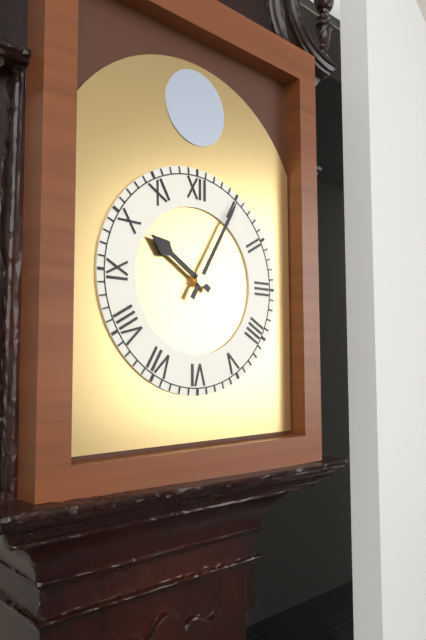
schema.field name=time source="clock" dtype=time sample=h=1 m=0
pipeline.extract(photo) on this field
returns h=10 m=5
